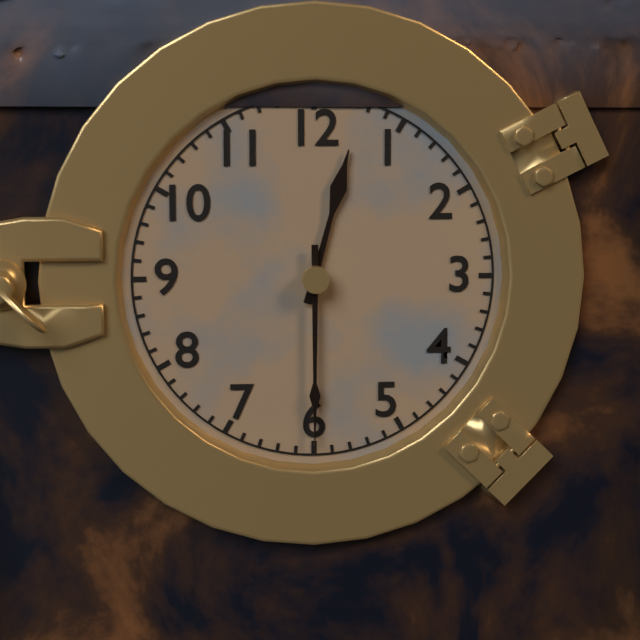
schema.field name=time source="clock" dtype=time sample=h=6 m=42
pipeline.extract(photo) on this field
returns h=12 m=30
